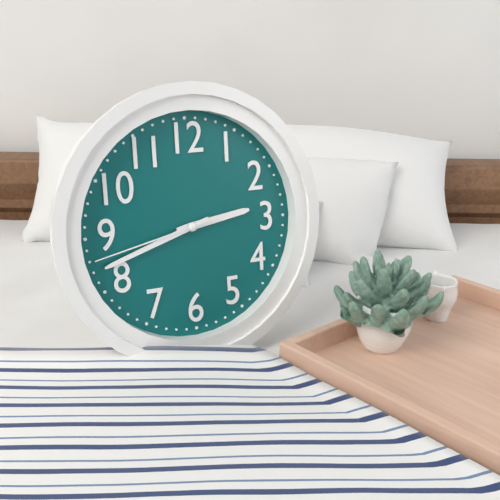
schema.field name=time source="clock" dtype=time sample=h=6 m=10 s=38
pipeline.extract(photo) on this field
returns h=2 m=42 s=43
